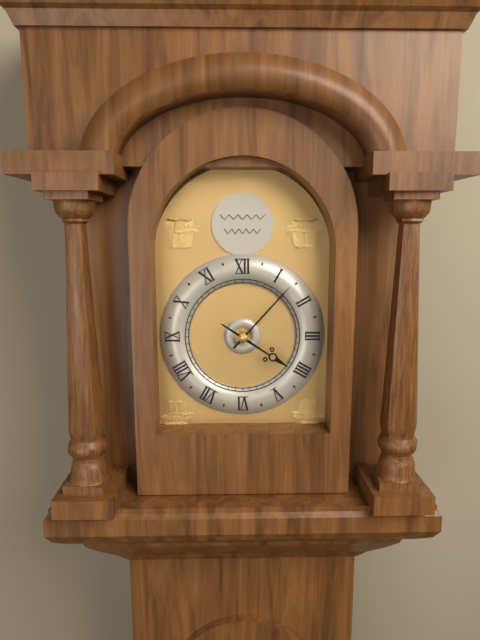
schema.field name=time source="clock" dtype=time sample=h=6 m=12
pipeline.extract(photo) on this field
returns h=4 m=7
